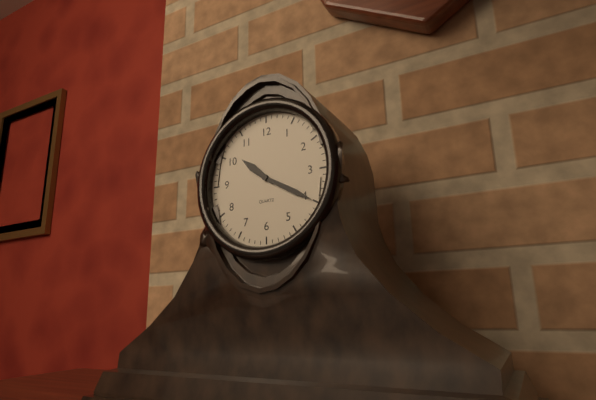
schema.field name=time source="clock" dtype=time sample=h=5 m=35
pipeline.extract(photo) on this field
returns h=10 m=20
